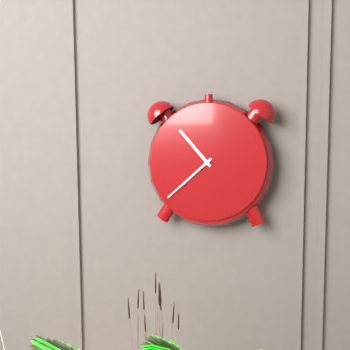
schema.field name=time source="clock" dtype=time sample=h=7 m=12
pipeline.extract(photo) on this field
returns h=10 m=38
